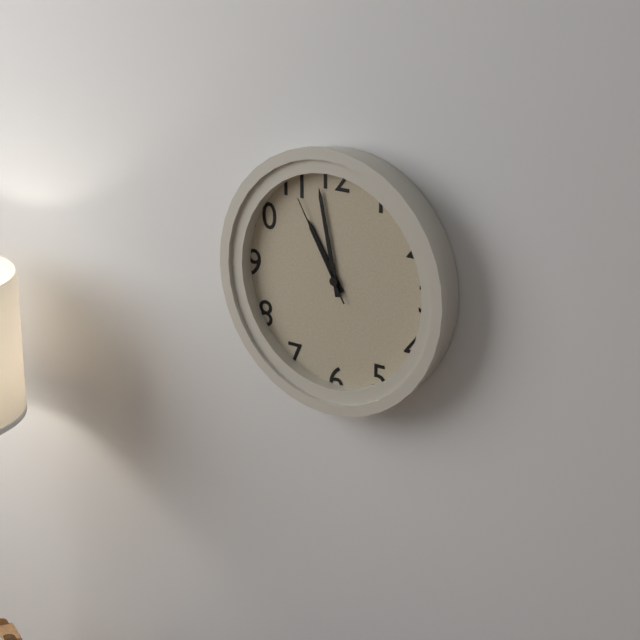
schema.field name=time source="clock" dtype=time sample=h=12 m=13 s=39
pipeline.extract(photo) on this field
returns h=10 m=58 s=55
